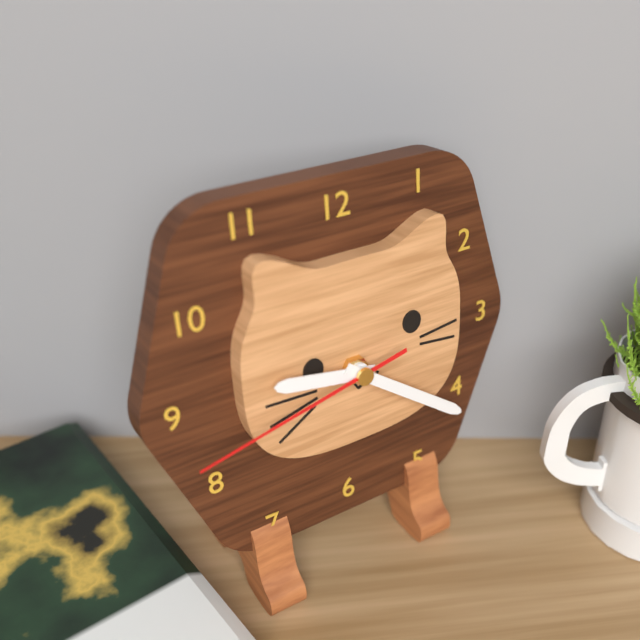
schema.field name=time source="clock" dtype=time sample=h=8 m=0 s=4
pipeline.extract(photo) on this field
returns h=9 m=21 s=43
